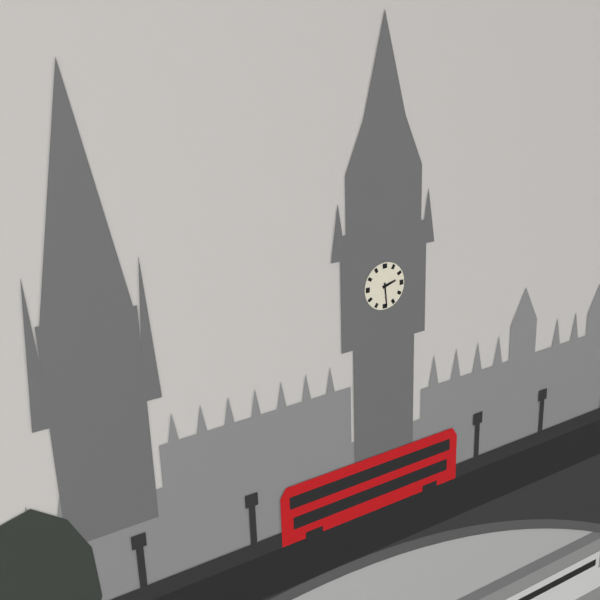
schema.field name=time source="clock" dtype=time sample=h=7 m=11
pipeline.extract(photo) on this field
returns h=2 m=29
